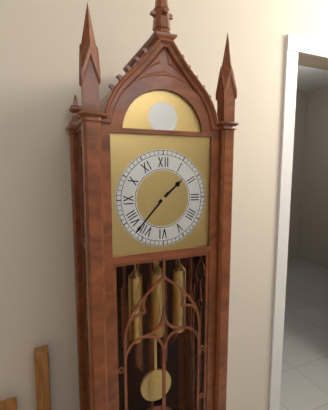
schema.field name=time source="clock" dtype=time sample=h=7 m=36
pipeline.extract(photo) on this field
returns h=1 m=37
